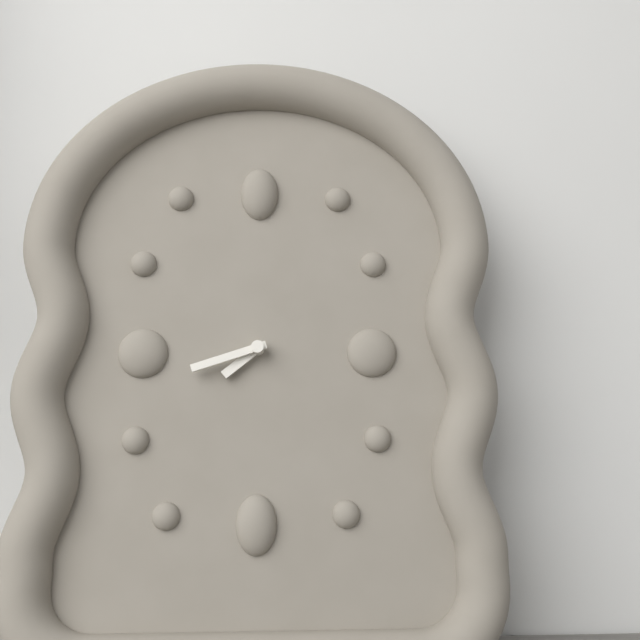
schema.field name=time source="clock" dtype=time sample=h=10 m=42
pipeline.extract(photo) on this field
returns h=7 m=42
